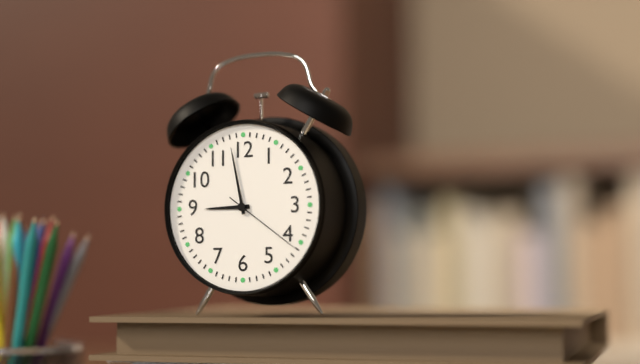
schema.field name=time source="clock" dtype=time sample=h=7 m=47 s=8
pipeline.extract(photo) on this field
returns h=8 m=58 s=21
